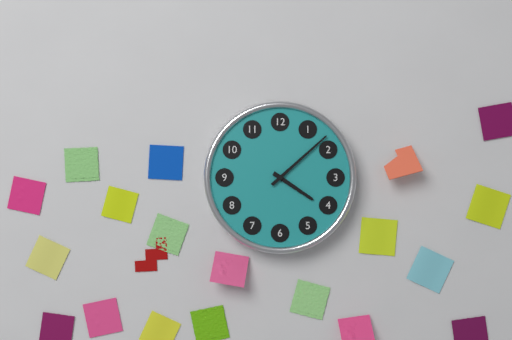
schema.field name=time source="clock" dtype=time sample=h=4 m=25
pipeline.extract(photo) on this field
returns h=4 m=8
